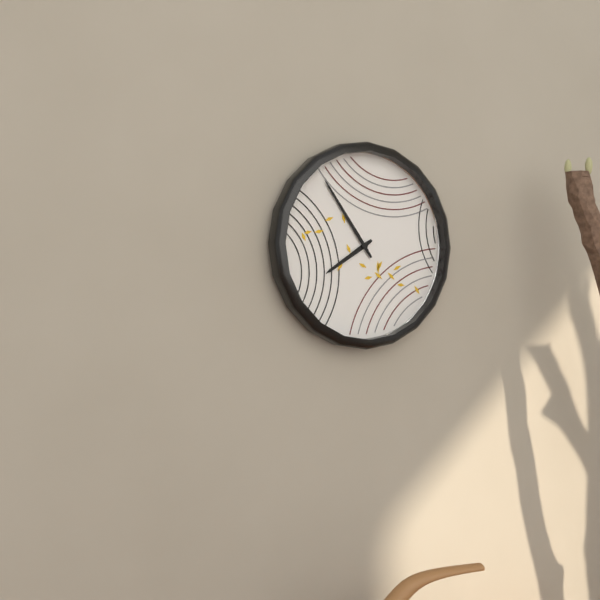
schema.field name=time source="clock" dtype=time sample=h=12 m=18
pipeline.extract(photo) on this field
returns h=7 m=54
